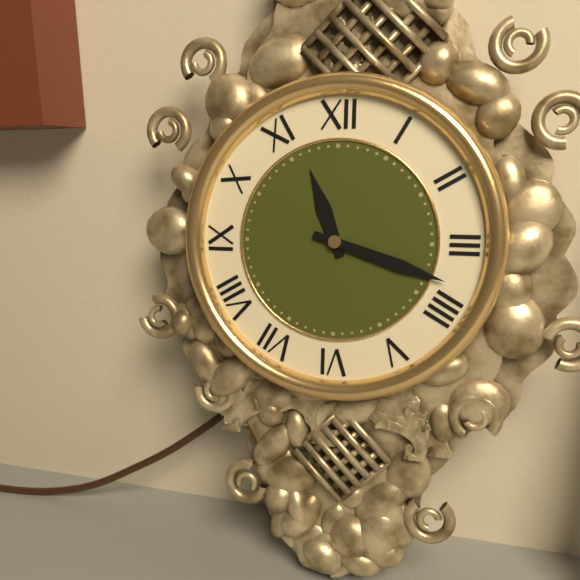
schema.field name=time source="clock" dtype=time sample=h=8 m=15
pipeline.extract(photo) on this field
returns h=11 m=18
